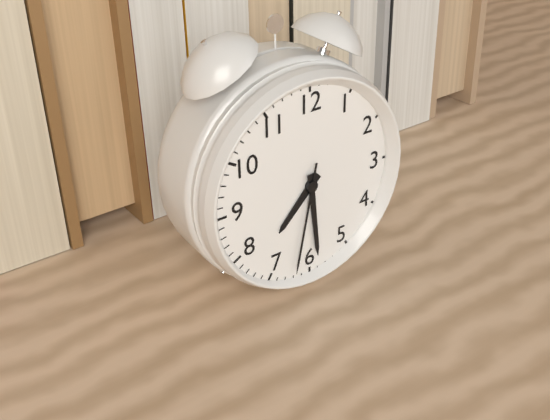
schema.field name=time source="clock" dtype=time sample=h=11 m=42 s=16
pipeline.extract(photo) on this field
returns h=7 m=29 s=32
